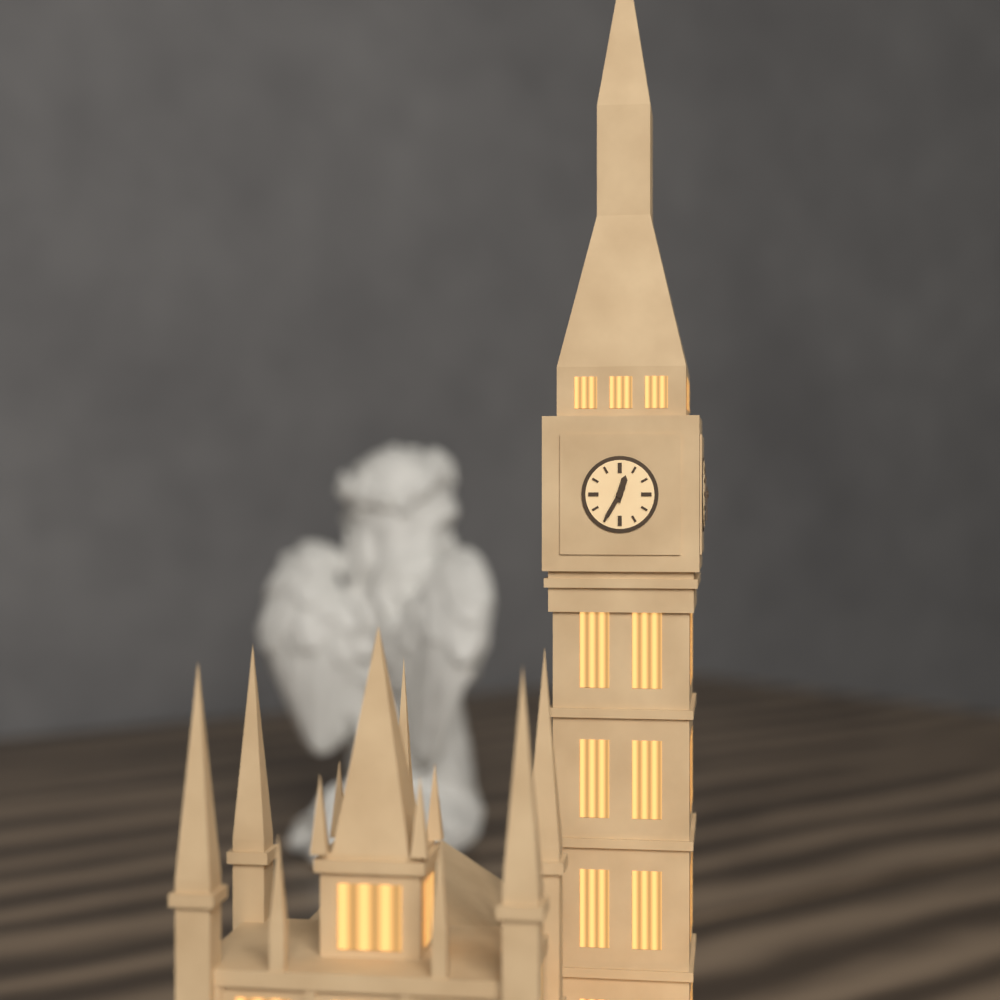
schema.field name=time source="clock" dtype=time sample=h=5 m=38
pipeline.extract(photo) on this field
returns h=12 m=35
